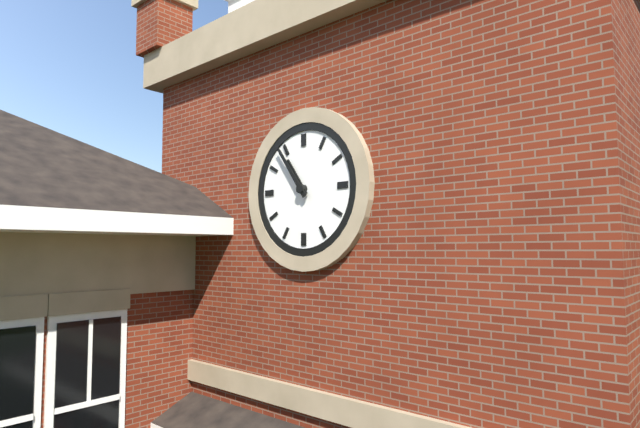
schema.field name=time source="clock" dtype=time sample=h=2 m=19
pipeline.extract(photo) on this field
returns h=10 m=54
